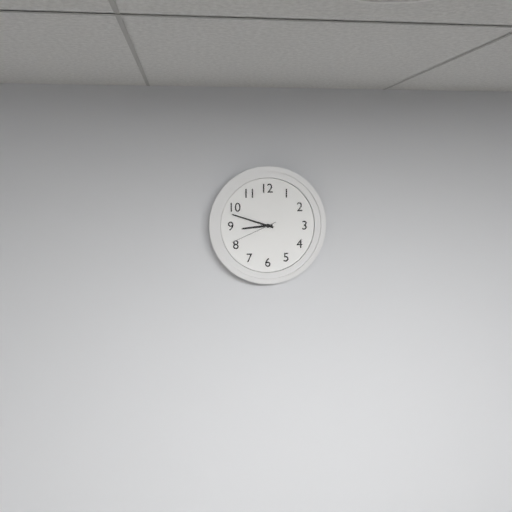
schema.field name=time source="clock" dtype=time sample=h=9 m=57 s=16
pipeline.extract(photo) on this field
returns h=8 m=48 s=41
